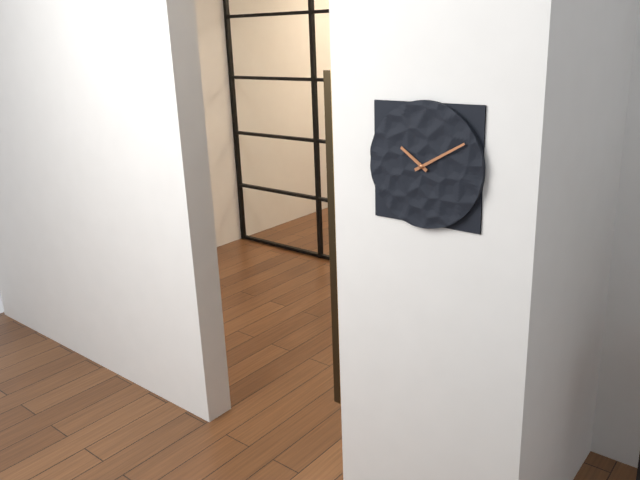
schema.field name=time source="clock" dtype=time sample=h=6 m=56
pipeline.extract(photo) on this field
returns h=10 m=10
